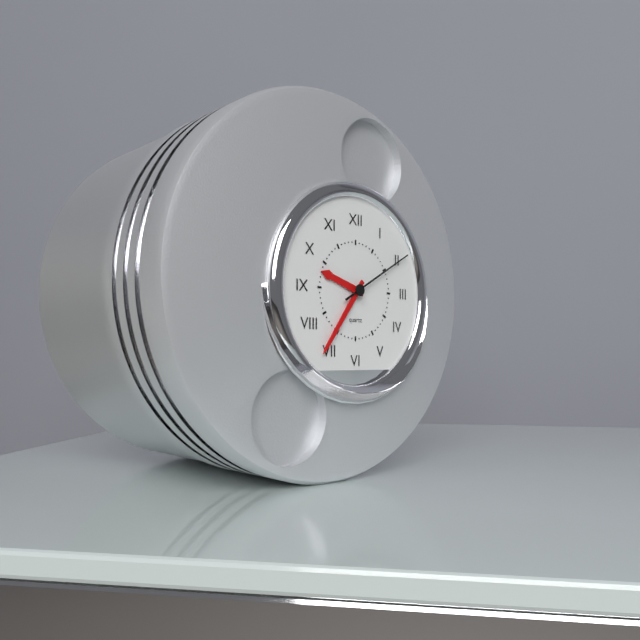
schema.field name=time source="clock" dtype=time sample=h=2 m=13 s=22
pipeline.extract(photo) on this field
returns h=9 m=36 s=10
